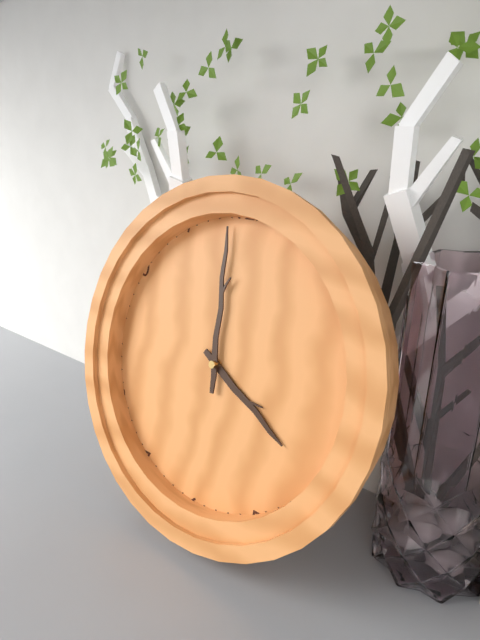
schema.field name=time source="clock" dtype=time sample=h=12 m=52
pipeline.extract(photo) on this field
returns h=3 m=59
